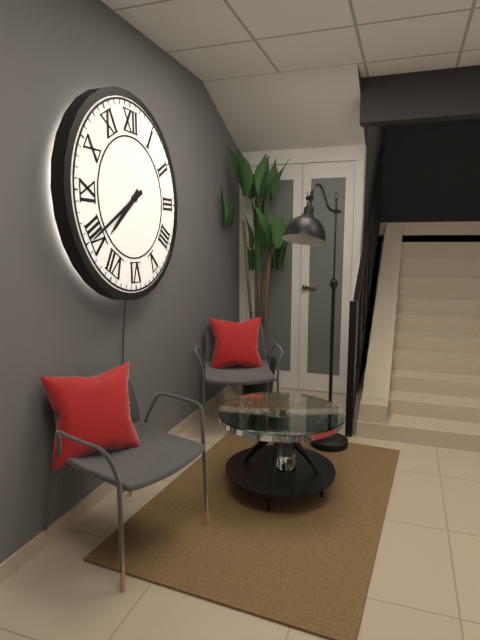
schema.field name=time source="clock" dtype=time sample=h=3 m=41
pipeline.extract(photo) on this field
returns h=7 m=40
